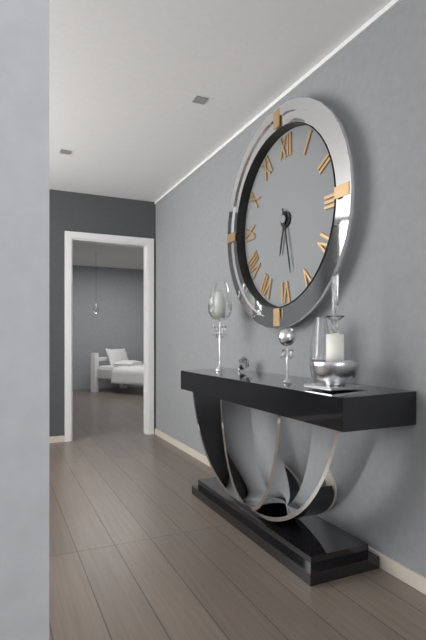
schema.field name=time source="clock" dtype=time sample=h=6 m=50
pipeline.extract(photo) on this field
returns h=6 m=28
